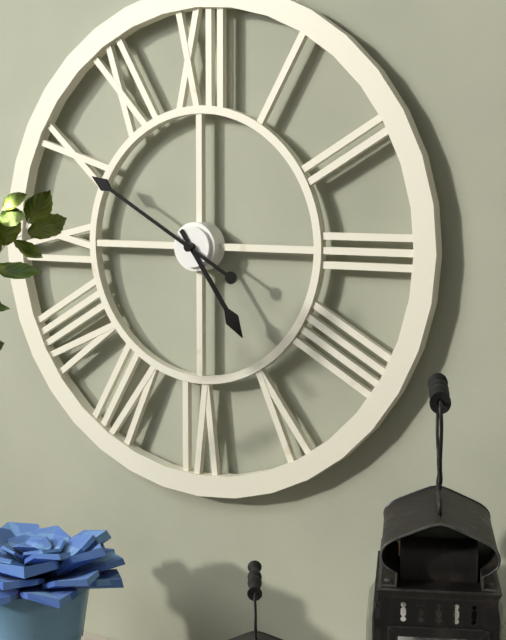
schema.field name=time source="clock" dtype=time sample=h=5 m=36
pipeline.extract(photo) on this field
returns h=4 m=50
